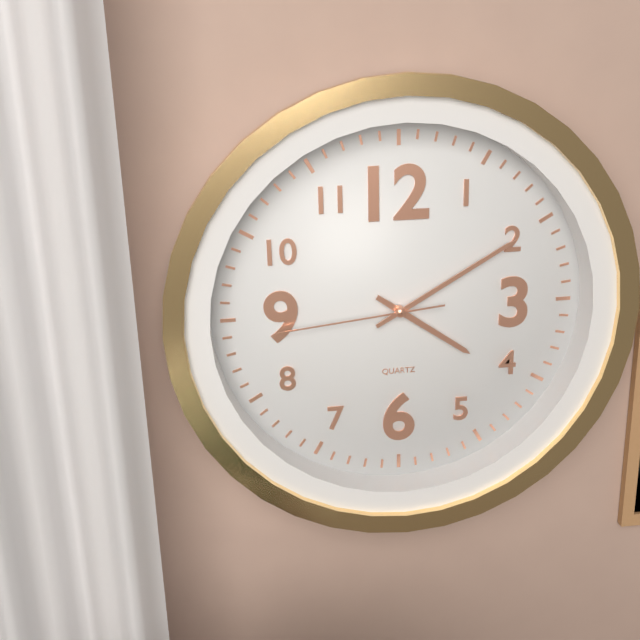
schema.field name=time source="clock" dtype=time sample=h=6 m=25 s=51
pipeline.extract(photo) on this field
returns h=4 m=10 s=44
